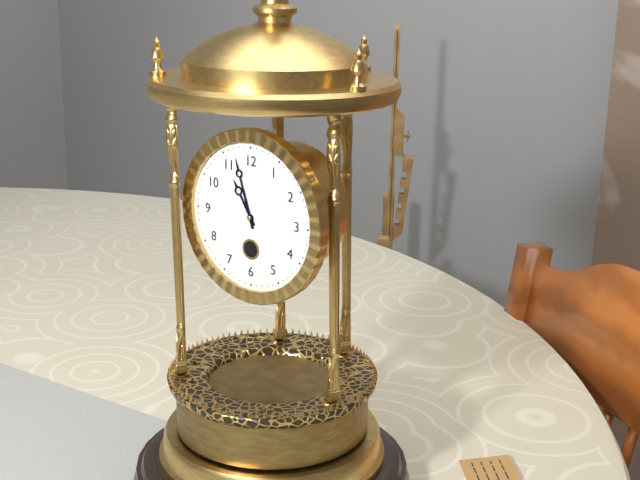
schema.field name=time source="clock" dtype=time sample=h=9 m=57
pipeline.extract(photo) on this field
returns h=10 m=57
